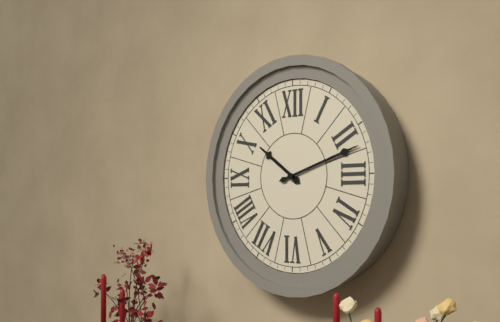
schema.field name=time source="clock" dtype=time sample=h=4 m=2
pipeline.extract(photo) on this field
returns h=10 m=12
